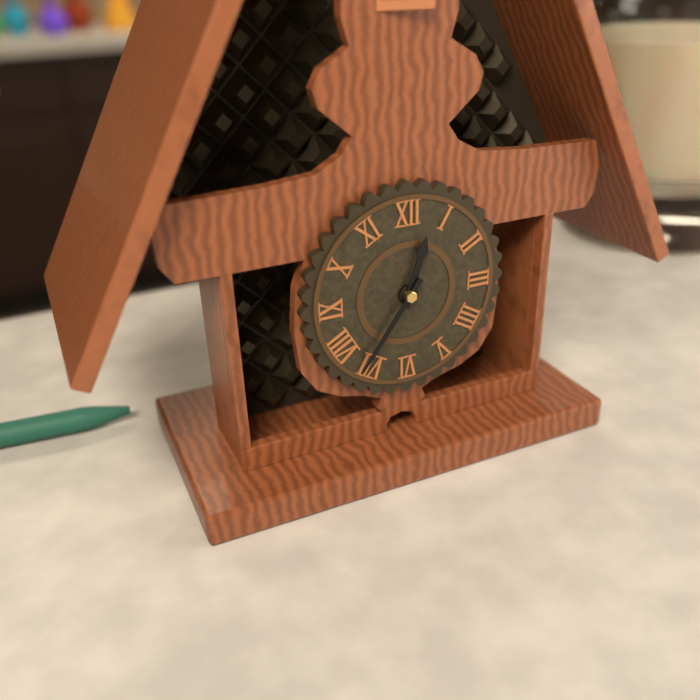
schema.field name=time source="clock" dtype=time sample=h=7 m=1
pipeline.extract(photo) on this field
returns h=12 m=36
